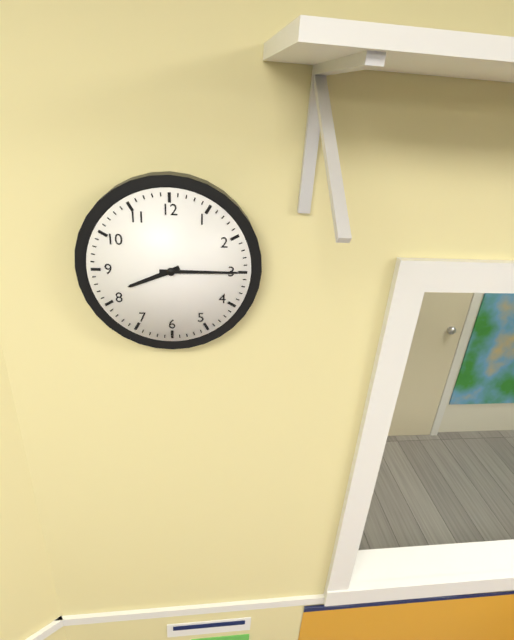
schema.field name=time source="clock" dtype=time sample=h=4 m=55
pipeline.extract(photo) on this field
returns h=8 m=15
